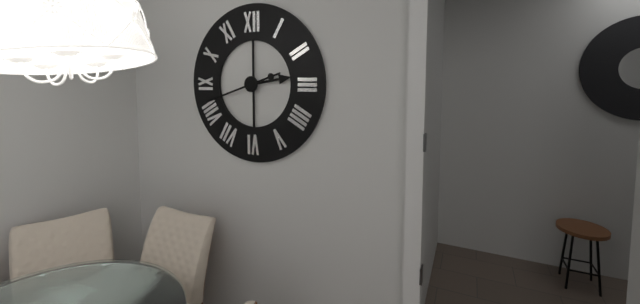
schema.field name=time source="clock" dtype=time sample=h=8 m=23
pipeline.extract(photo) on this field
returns h=2 m=42
